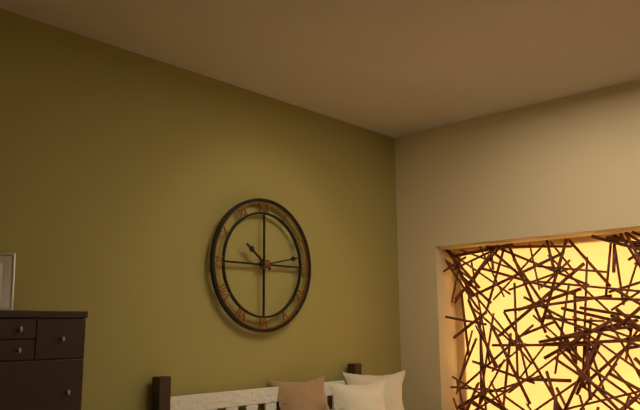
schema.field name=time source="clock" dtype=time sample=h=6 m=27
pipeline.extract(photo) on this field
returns h=10 m=13
